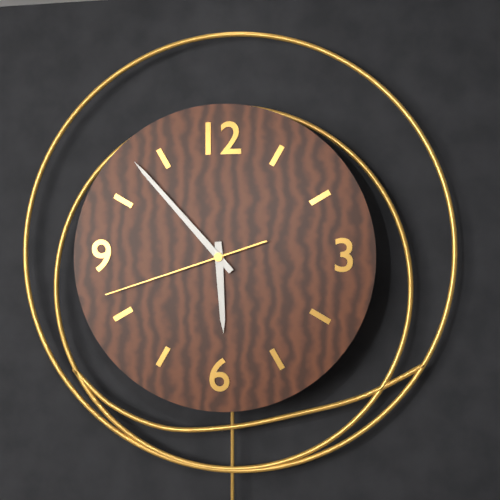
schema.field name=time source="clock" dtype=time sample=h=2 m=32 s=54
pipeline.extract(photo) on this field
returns h=5 m=53 s=42
